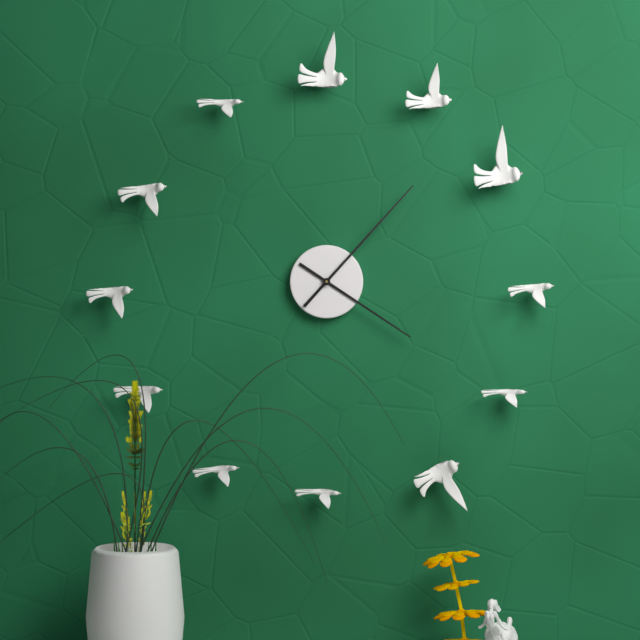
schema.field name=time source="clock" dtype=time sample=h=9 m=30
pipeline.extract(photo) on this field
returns h=4 m=7
